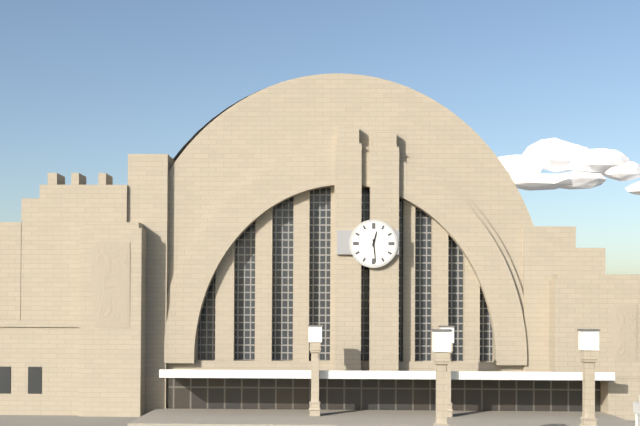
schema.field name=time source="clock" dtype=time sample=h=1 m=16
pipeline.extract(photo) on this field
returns h=12 m=29
